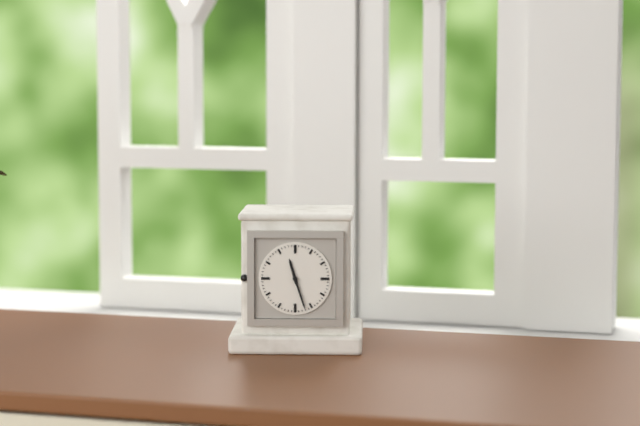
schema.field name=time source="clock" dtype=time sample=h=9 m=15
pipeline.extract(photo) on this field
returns h=11 m=27
